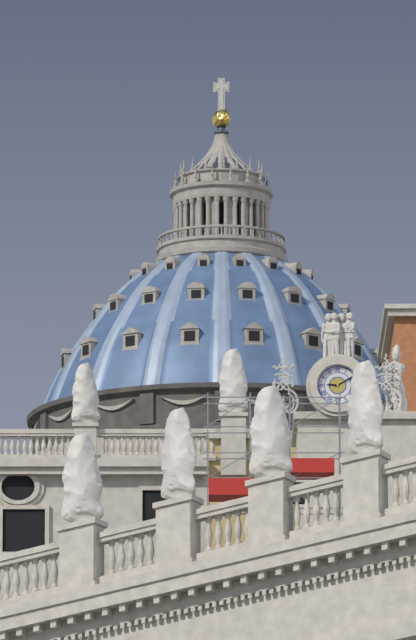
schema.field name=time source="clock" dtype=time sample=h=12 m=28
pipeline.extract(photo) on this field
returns h=9 m=10
